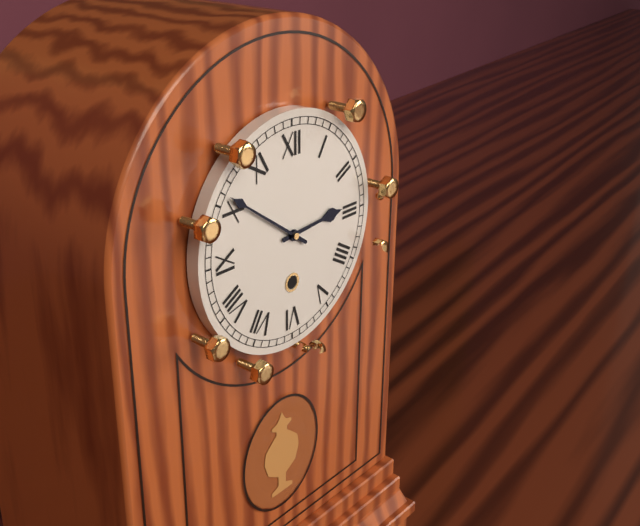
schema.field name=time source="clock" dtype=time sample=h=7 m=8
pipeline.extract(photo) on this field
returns h=2 m=51
